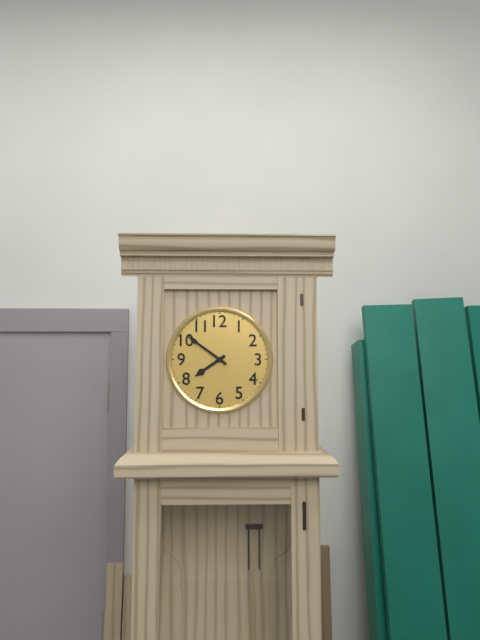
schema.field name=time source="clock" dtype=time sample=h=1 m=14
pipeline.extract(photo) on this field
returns h=7 m=51
